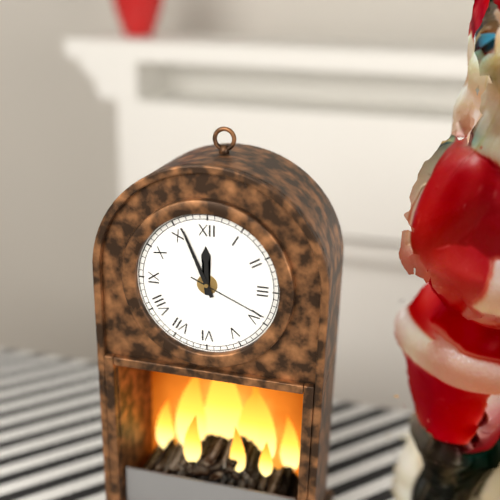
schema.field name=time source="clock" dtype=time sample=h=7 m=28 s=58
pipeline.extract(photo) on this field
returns h=11 m=56 s=19
